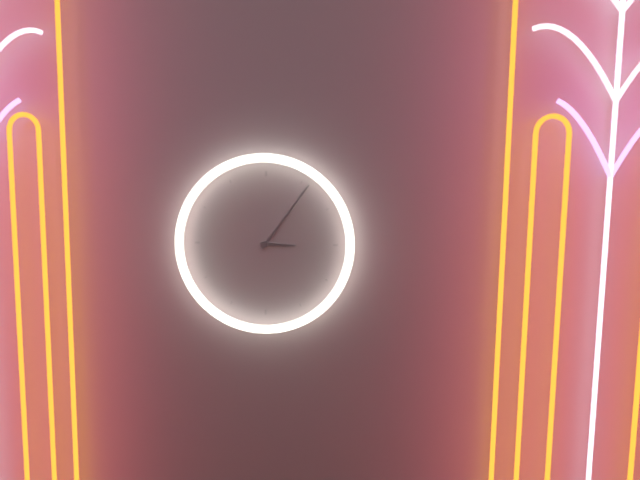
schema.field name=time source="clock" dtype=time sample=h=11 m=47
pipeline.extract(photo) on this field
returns h=3 m=6
